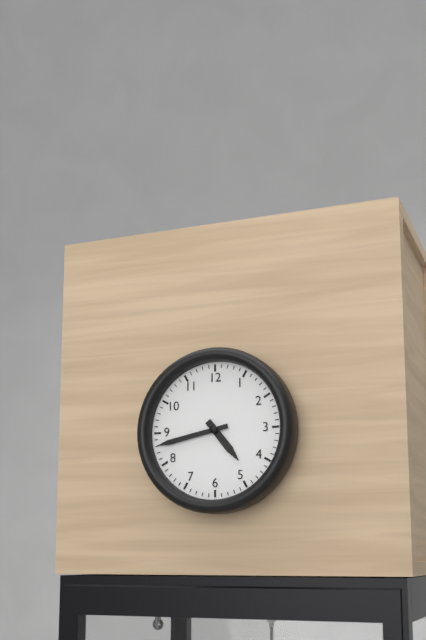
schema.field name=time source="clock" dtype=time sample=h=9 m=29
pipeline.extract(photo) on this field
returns h=4 m=43
